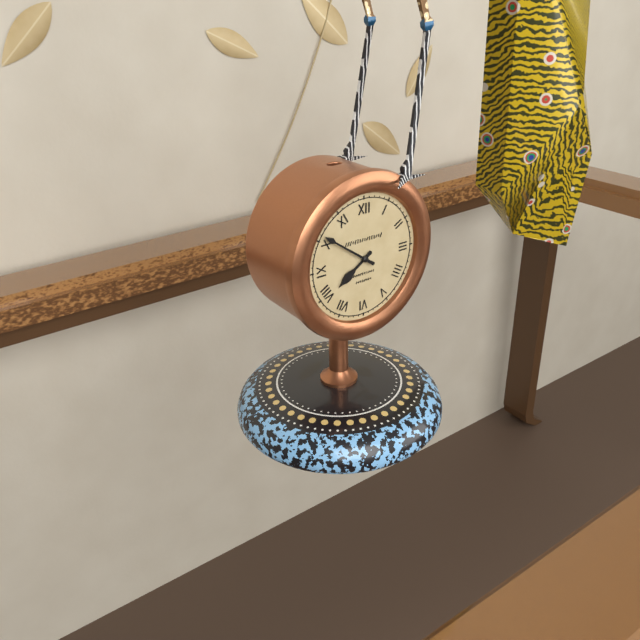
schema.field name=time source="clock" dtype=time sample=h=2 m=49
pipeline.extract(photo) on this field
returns h=7 m=51
